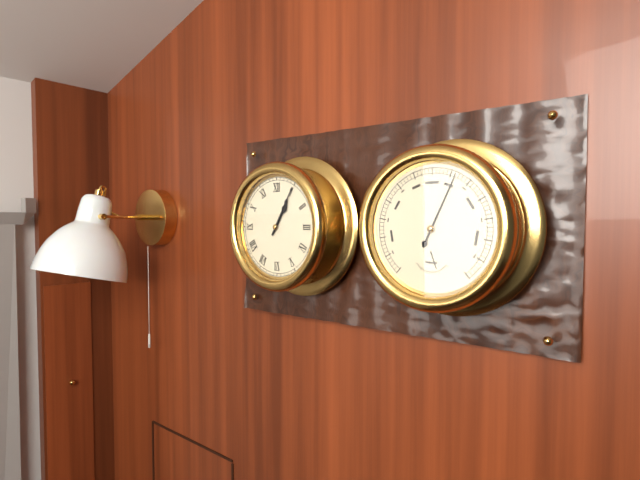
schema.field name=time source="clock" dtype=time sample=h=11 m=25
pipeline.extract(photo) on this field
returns h=1 m=5
